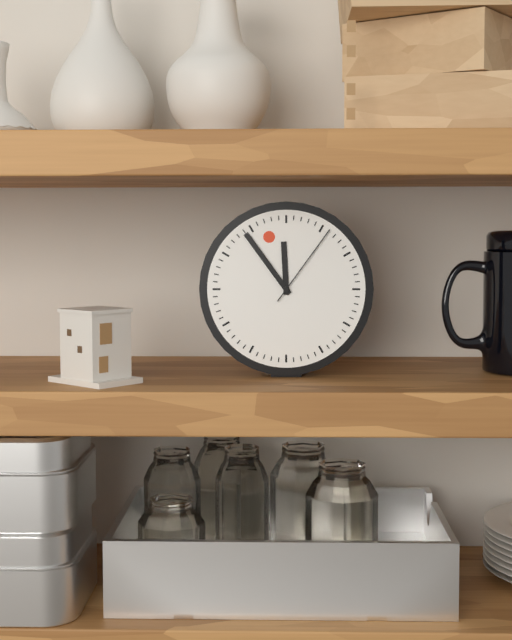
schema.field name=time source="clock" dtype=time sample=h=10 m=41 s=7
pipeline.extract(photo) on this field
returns h=11 m=54 s=6
